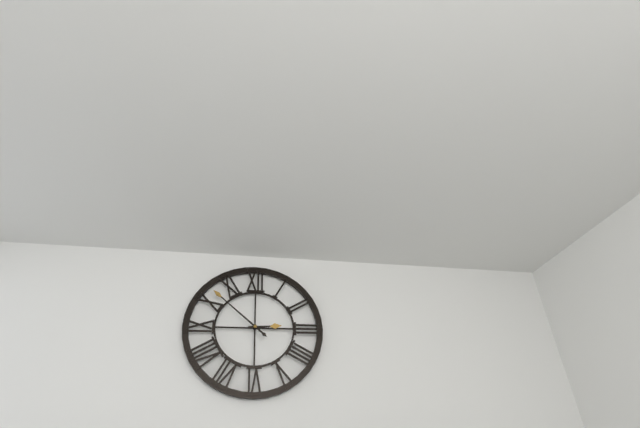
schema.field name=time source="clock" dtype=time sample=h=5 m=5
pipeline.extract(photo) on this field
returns h=2 m=52
